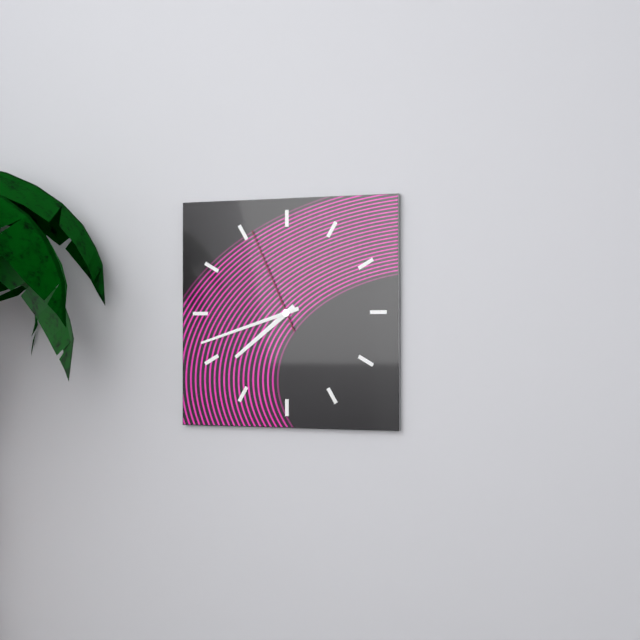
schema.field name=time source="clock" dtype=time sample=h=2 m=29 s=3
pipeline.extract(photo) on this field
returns h=7 m=42 s=56
